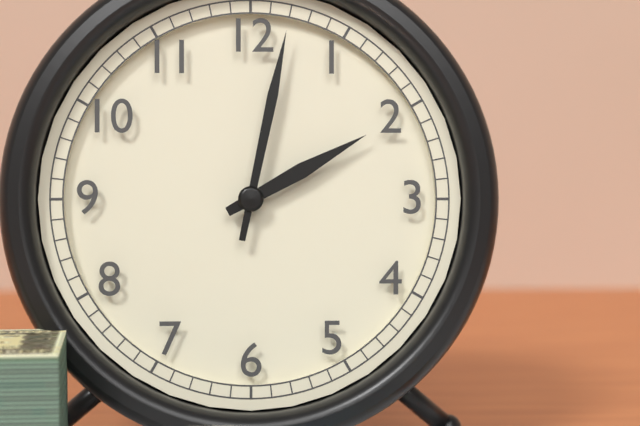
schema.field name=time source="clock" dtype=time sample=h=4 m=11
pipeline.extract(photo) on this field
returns h=2 m=2
